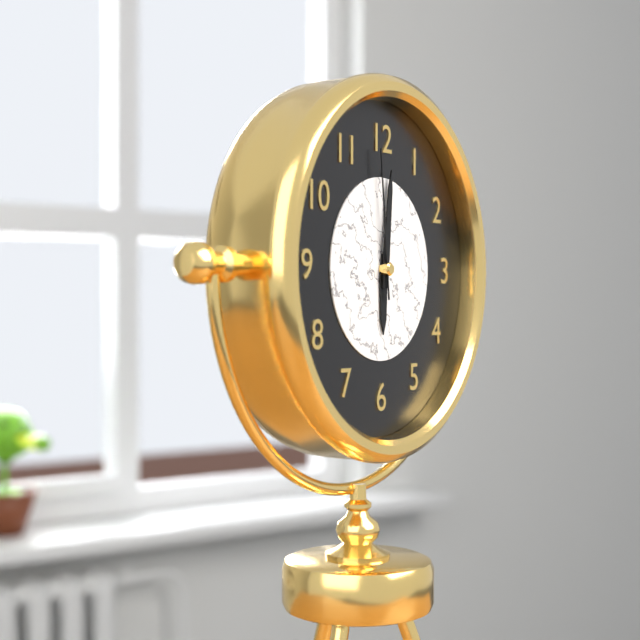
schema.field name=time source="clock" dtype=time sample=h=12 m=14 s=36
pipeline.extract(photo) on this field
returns h=6 m=1 s=59
